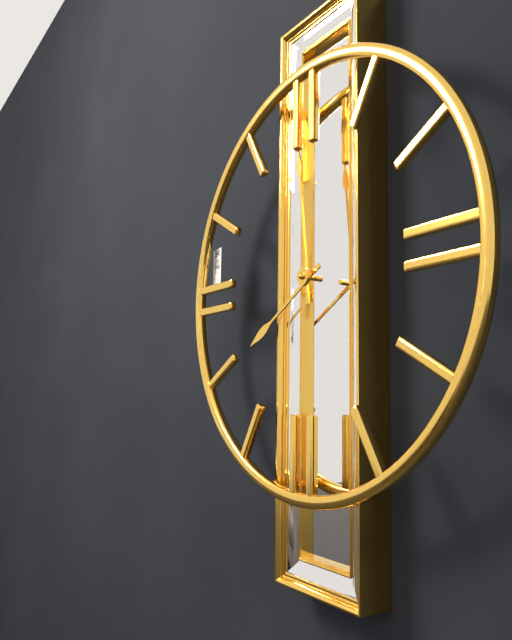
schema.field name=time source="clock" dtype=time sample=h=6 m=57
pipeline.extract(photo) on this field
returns h=7 m=59
